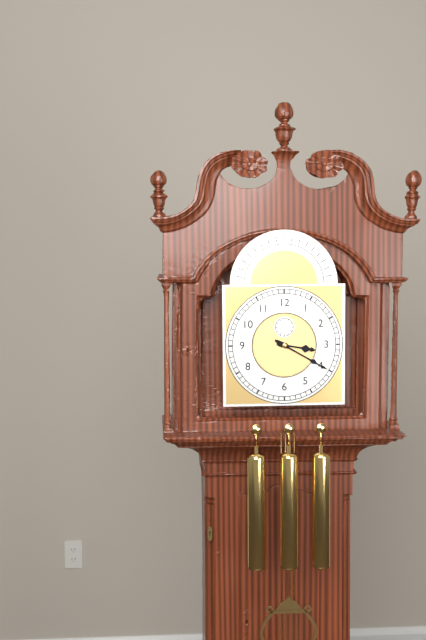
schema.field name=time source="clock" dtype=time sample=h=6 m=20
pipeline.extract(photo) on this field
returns h=3 m=20
